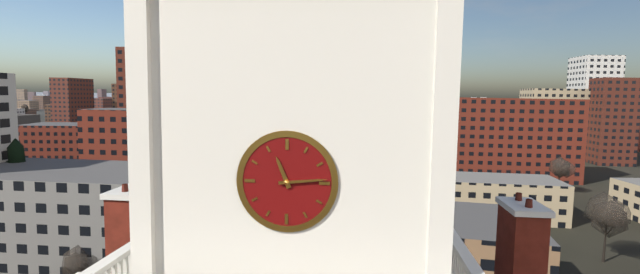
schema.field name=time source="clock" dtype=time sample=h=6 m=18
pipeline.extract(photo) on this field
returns h=11 m=14
